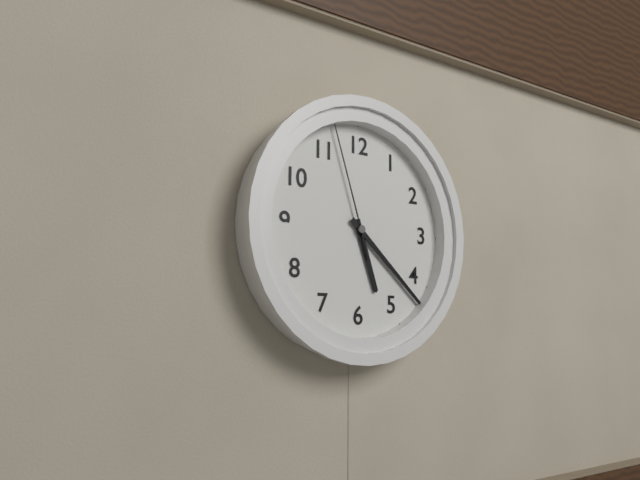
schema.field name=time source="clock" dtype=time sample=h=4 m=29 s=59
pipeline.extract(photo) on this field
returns h=5 m=22 s=57
